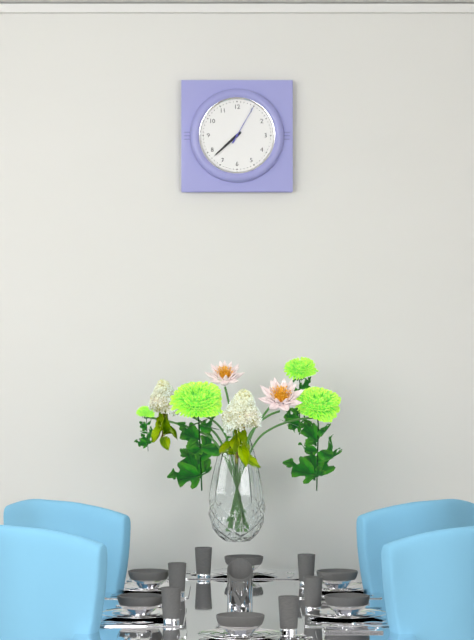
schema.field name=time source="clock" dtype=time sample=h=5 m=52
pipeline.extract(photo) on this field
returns h=7 m=38
